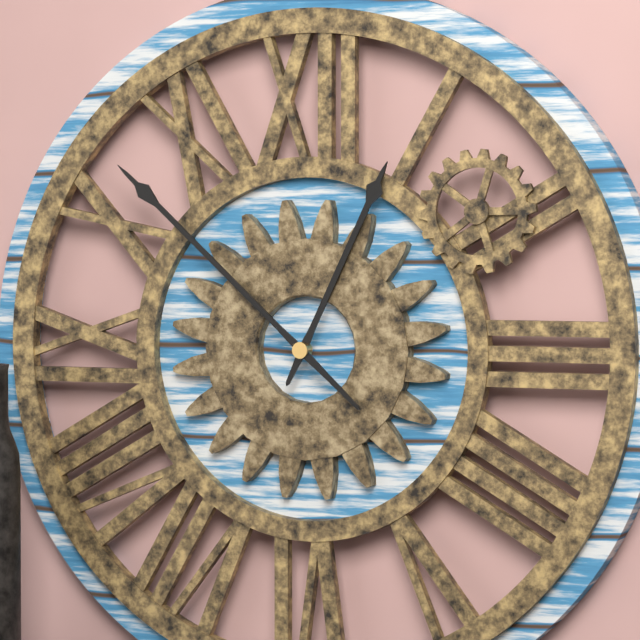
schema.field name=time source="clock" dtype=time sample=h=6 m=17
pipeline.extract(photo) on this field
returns h=12 m=52
